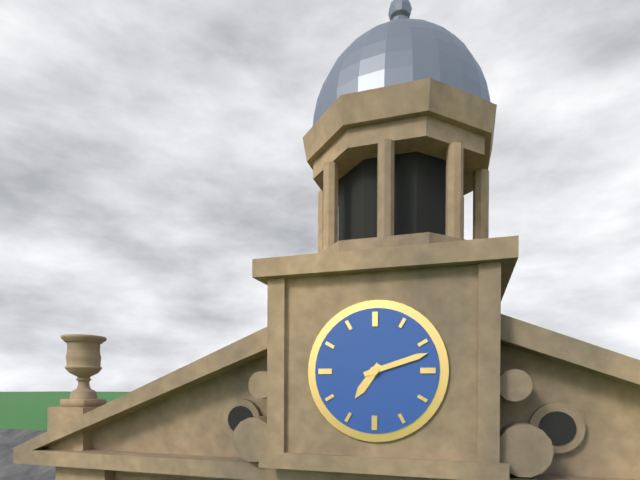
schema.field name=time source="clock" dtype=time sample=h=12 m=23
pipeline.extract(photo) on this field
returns h=7 m=12
